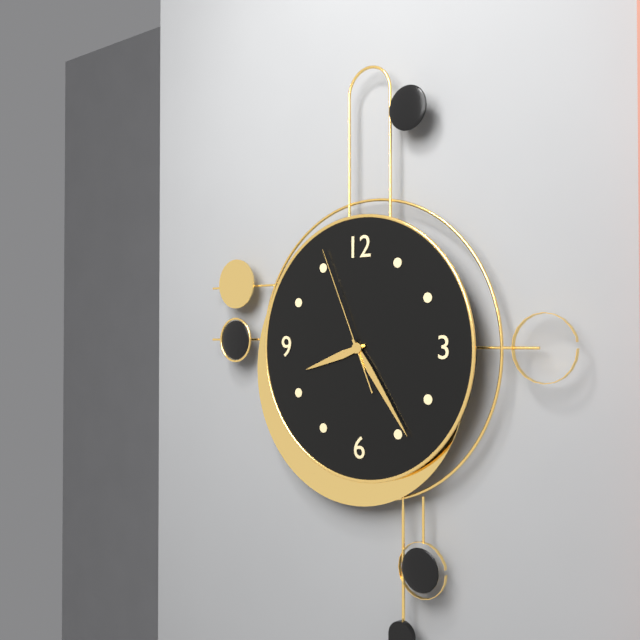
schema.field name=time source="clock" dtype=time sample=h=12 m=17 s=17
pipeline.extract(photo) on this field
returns h=8 m=24 s=56
